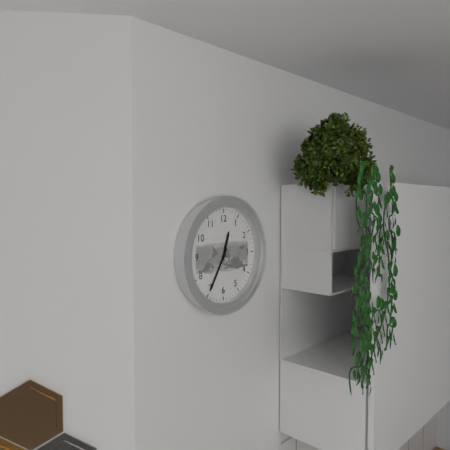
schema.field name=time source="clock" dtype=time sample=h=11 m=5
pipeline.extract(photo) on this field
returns h=12 m=35
